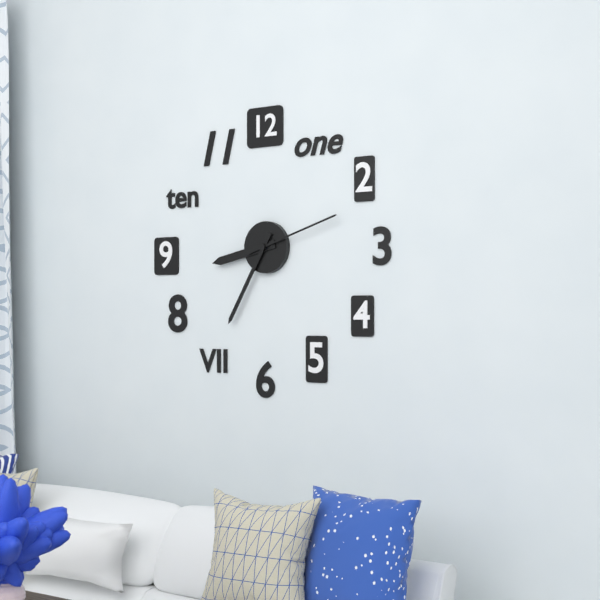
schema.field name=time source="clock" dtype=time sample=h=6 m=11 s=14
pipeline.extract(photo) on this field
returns h=8 m=35 s=12
